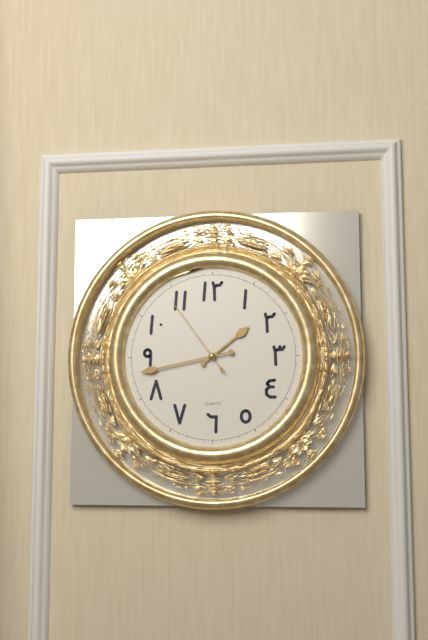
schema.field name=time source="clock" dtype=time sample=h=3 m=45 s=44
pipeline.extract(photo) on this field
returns h=1 m=43 s=54
